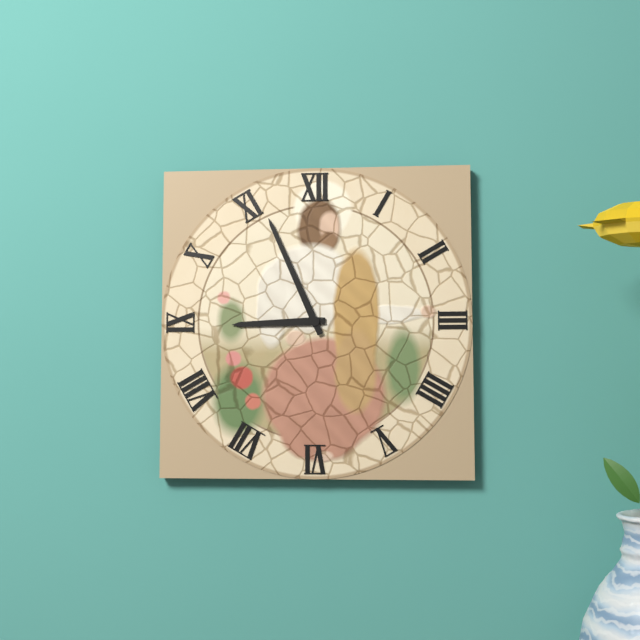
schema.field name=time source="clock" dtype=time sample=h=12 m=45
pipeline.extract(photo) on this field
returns h=8 m=56
